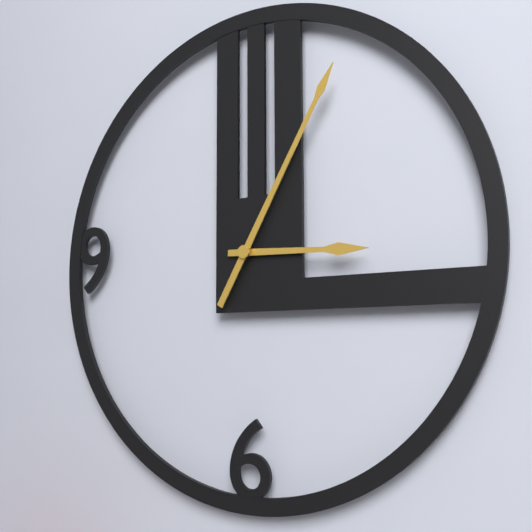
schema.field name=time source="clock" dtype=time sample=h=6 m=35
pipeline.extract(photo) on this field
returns h=3 m=5
